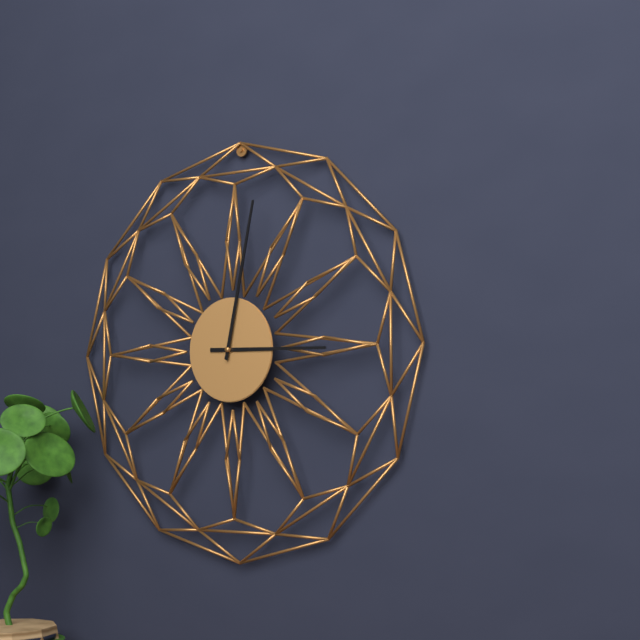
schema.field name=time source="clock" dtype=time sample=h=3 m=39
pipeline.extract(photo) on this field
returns h=3 m=2
